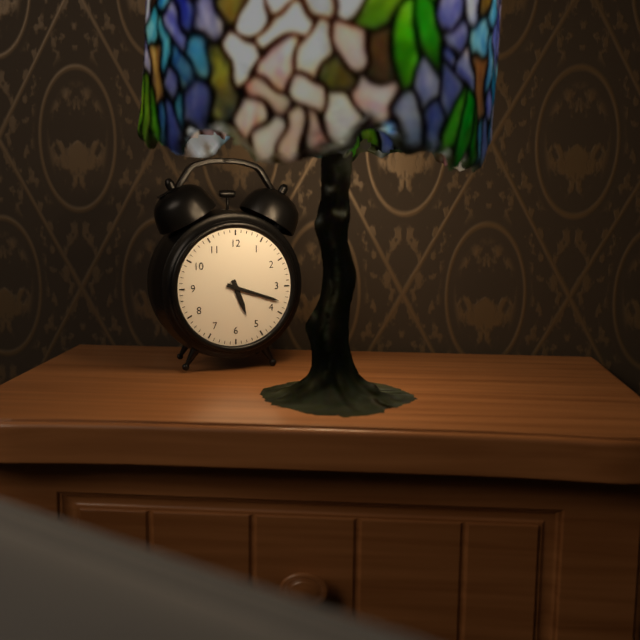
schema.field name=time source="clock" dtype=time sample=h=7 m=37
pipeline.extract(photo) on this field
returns h=5 m=18
